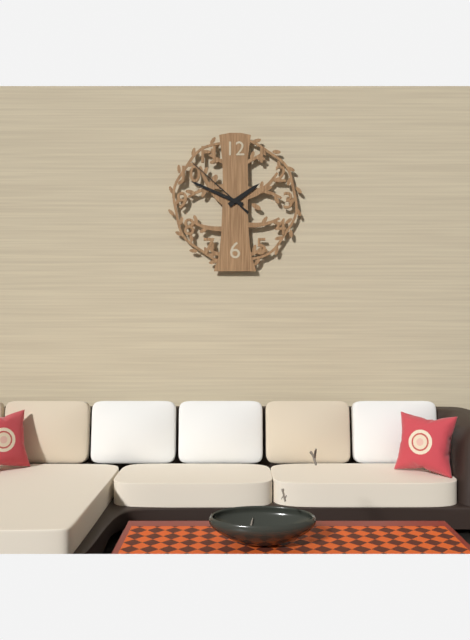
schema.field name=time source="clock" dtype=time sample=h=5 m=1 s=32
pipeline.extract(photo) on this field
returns h=1 m=49 s=52
